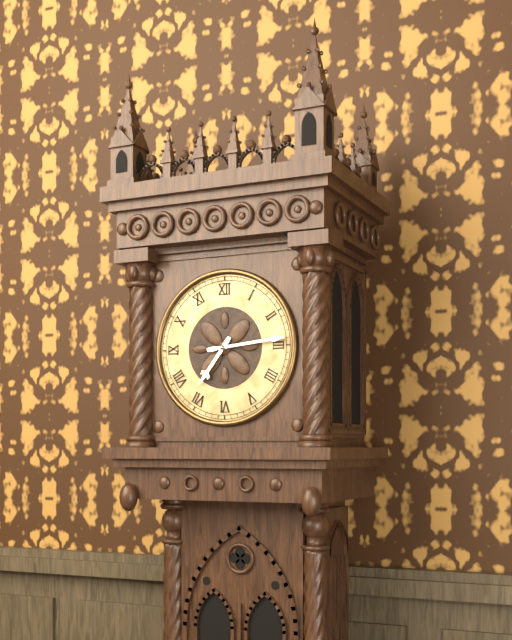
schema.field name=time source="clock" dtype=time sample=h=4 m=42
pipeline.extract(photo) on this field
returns h=7 m=14
